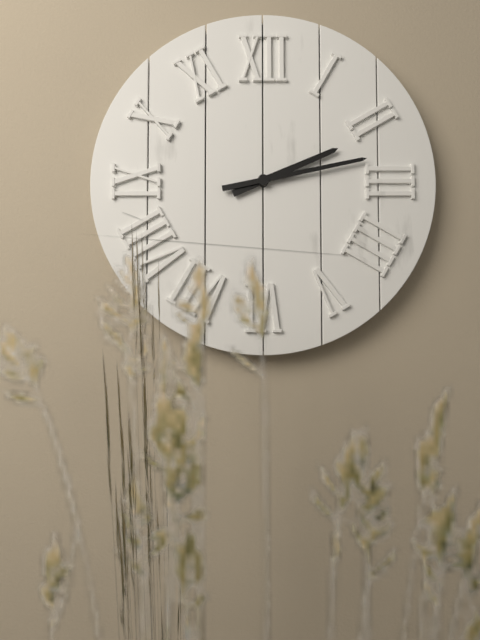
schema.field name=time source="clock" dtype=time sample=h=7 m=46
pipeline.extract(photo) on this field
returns h=2 m=13
